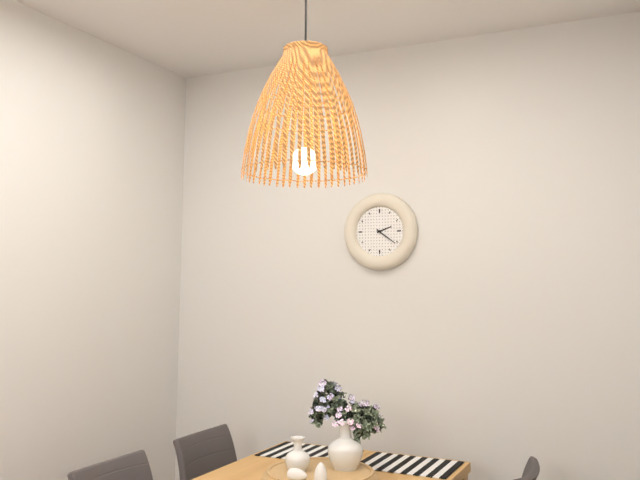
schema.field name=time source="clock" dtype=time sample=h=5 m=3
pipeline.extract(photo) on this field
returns h=2 m=21
